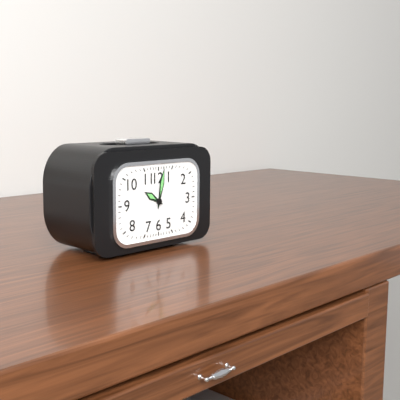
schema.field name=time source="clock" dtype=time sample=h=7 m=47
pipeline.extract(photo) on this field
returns h=10 m=2
